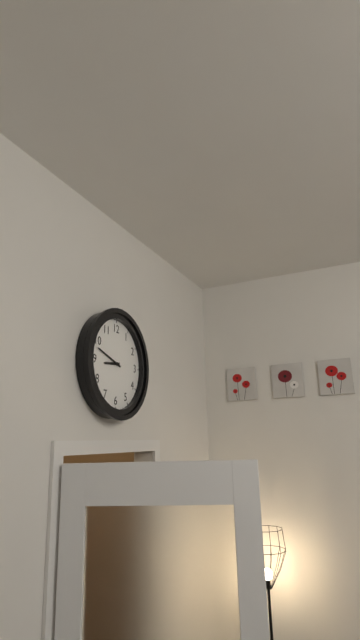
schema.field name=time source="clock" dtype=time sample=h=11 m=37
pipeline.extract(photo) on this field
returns h=8 m=48
